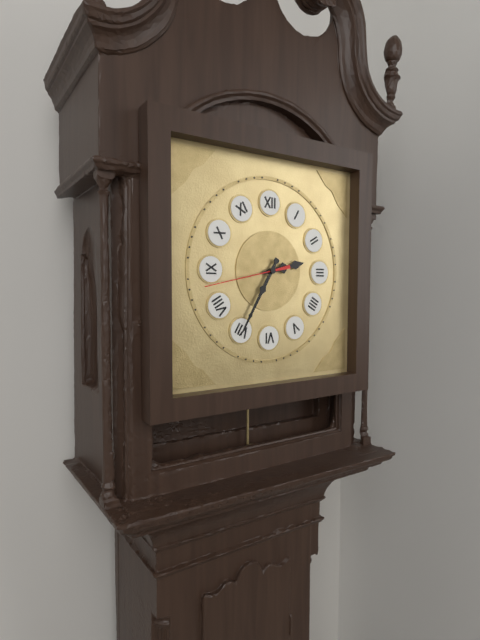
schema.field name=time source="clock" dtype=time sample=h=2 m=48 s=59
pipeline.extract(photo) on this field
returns h=2 m=35 s=43
